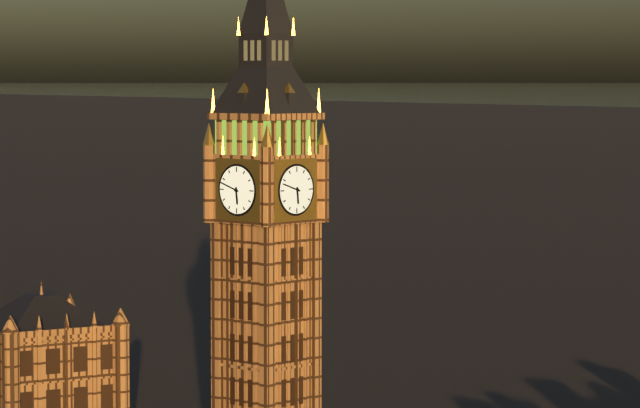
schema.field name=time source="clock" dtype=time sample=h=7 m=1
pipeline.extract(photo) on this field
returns h=5 m=48
